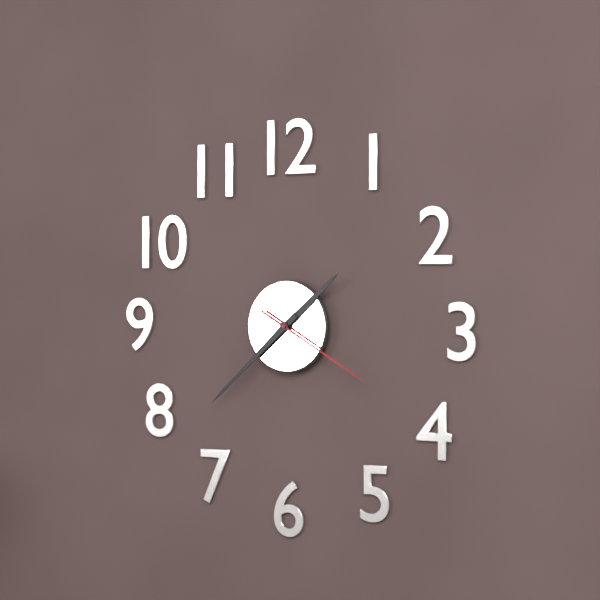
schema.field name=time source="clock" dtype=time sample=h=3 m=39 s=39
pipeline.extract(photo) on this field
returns h=1 m=38 s=20
